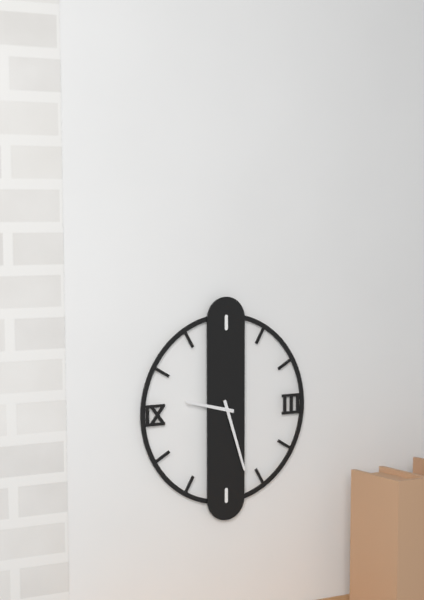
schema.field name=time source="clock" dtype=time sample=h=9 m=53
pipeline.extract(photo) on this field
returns h=9 m=27
